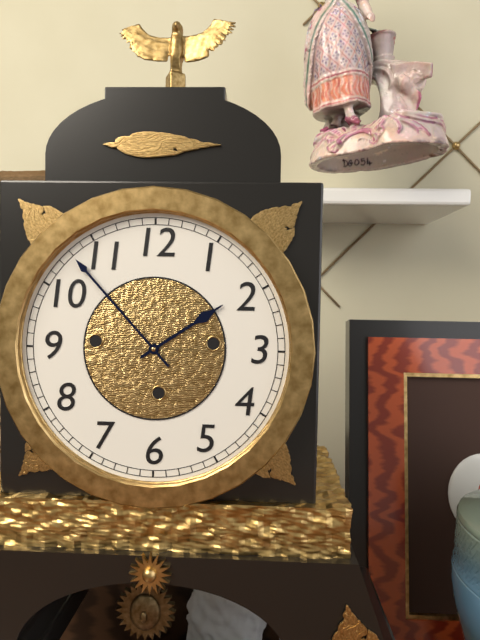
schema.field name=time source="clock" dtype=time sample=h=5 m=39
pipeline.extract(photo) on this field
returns h=1 m=53
